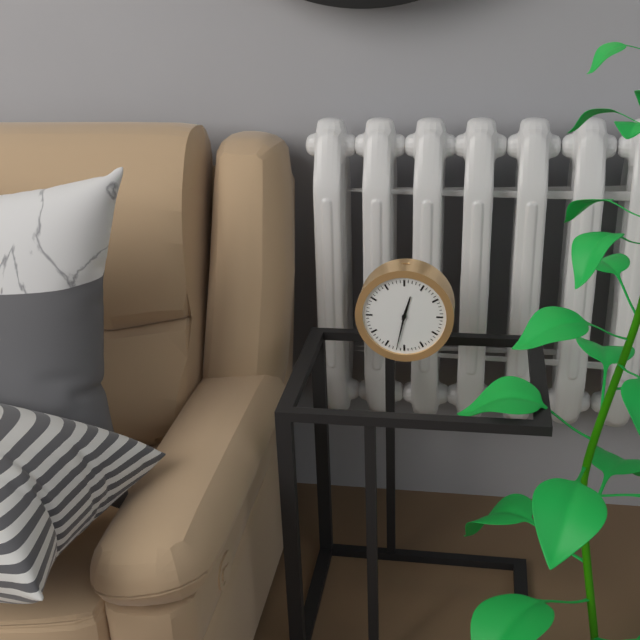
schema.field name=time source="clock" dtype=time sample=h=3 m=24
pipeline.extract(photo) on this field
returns h=12 m=32
